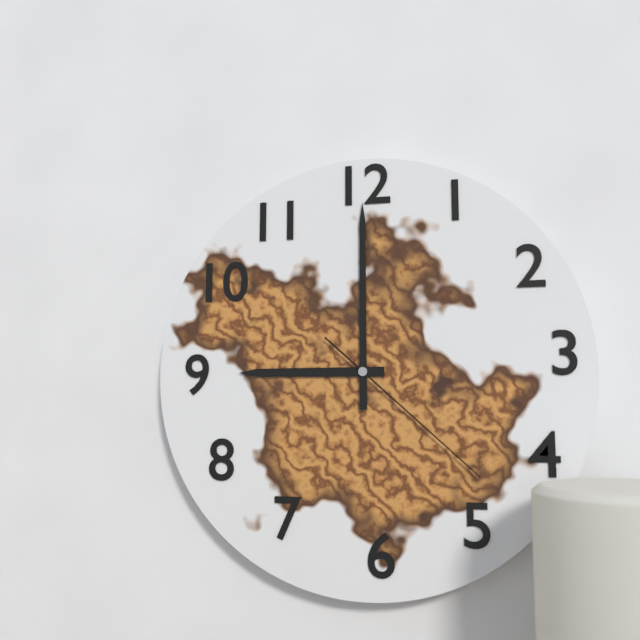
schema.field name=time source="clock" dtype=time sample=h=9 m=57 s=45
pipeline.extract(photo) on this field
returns h=9 m=0 s=22
